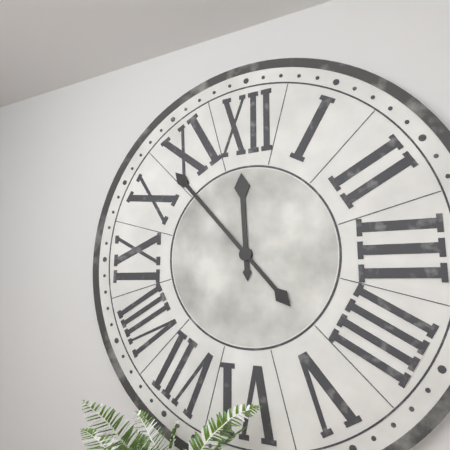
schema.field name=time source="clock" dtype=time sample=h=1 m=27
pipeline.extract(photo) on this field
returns h=11 m=53
